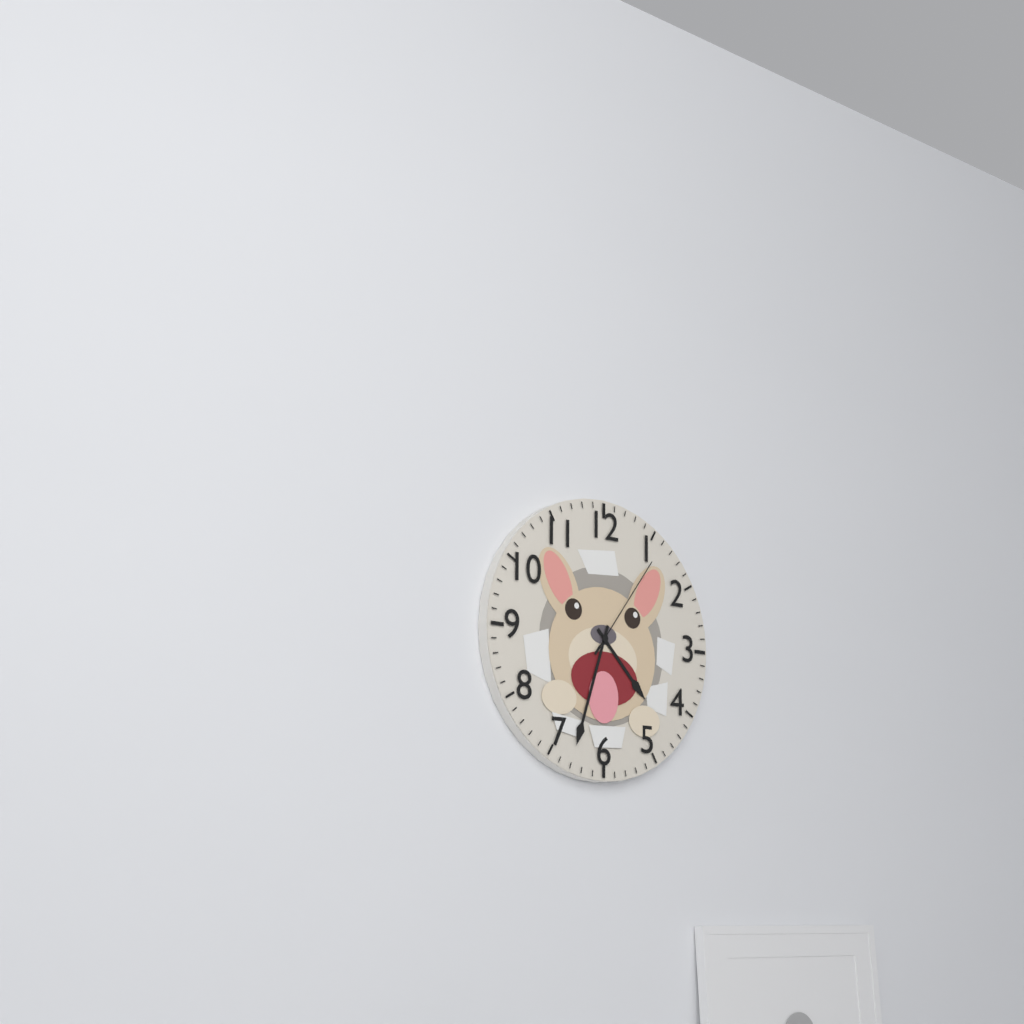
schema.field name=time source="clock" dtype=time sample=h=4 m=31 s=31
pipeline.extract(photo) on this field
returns h=4 m=33 s=6
